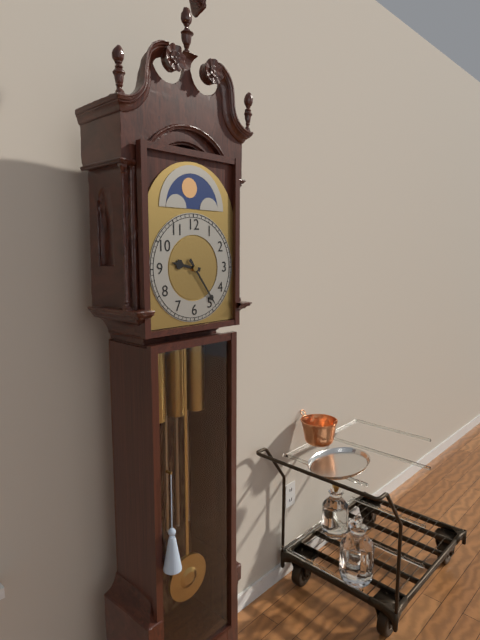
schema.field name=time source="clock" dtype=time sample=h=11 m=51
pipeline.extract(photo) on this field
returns h=9 m=24
